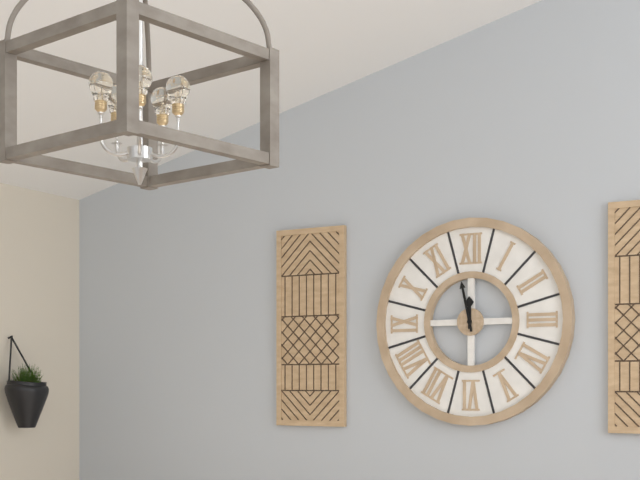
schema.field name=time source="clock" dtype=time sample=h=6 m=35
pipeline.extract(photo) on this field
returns h=11 m=58
